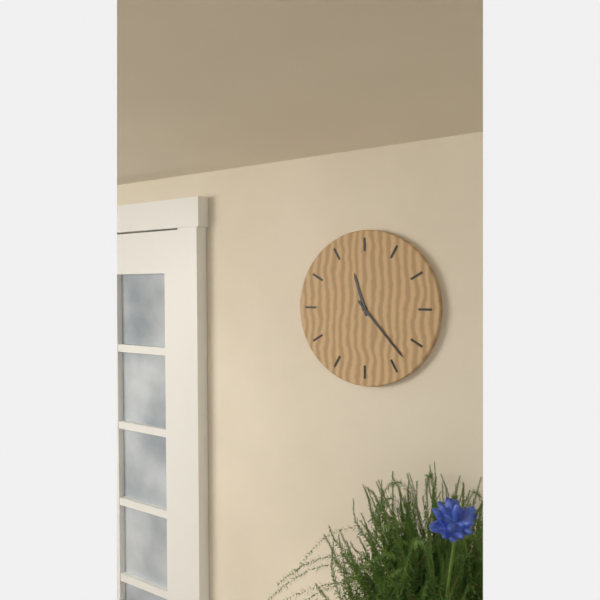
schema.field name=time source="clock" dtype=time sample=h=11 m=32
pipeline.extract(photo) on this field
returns h=11 m=23
